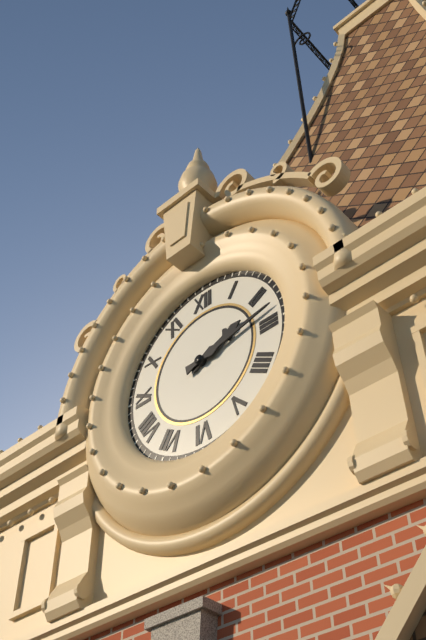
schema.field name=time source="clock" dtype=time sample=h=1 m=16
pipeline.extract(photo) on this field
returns h=2 m=13
